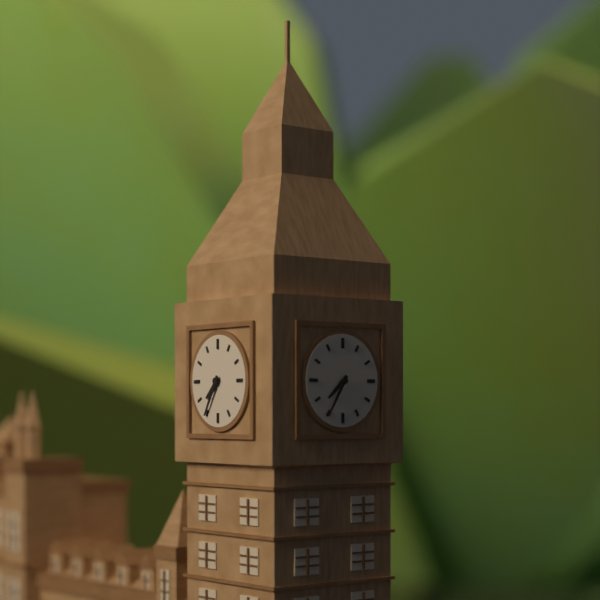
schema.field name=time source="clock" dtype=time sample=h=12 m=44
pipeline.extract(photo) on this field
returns h=7 m=35
